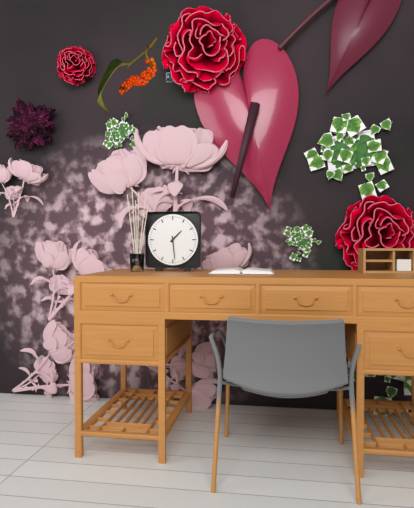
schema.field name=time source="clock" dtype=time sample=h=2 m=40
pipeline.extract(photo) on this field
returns h=1 m=29
